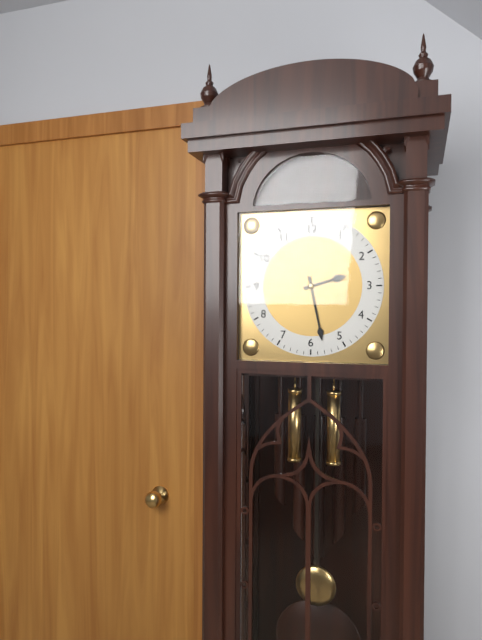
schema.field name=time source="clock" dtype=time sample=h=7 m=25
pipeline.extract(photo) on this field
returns h=2 m=28
